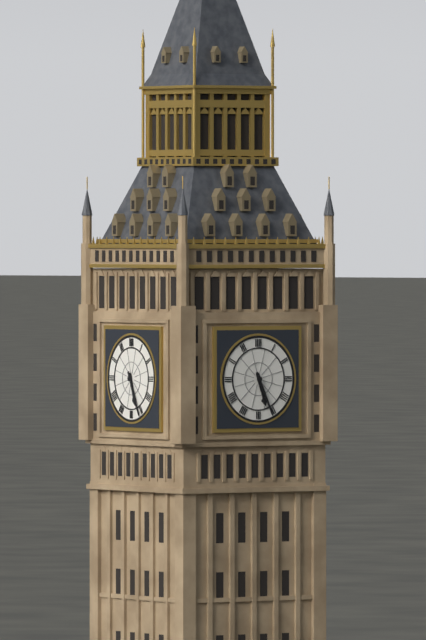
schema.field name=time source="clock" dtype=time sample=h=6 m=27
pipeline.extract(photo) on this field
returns h=5 m=26
